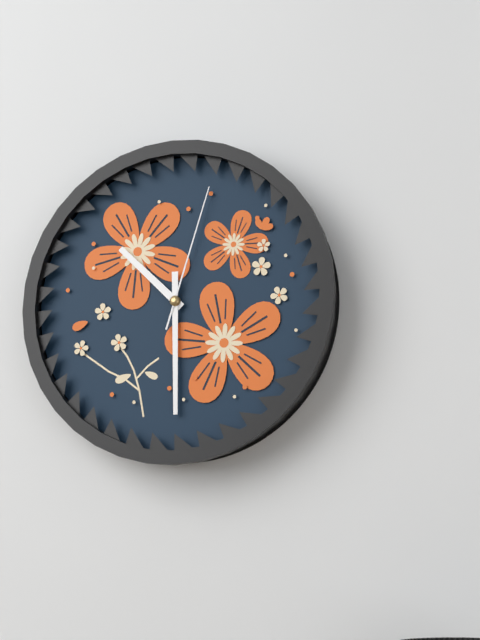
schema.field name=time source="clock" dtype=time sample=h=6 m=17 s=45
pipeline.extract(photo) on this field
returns h=10 m=30 s=3
